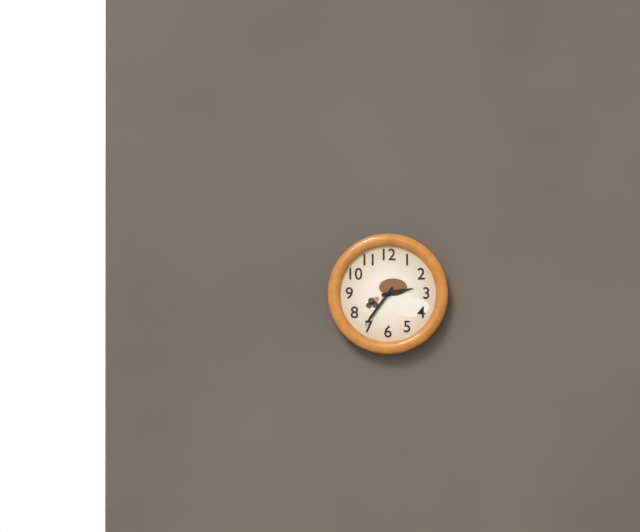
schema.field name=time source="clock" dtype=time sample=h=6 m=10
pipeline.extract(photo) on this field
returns h=2 m=36
